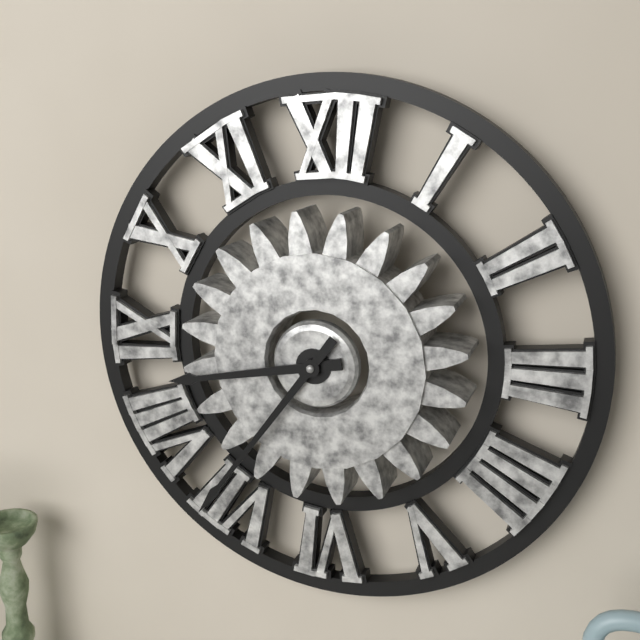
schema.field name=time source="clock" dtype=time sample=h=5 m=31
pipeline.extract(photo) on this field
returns h=8 m=36
